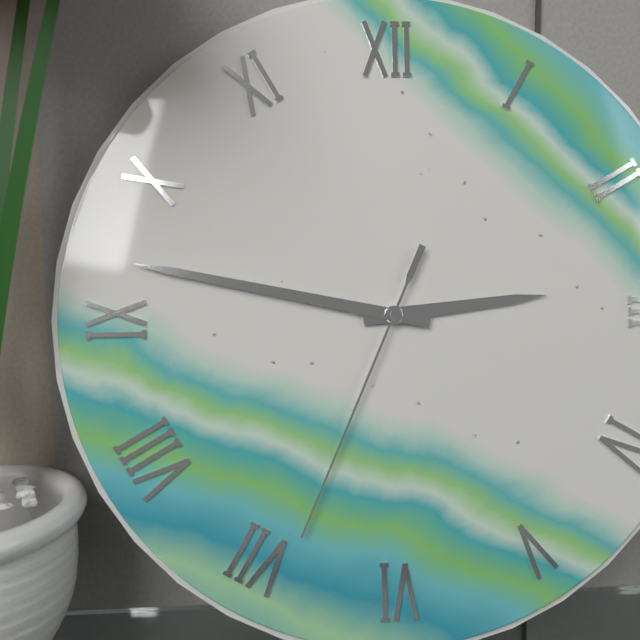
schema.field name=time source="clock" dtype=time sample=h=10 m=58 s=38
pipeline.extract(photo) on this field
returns h=2 m=47 s=34
